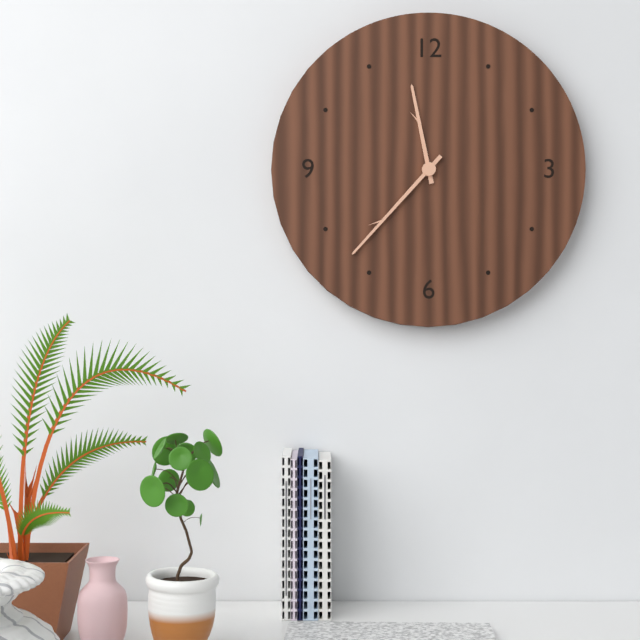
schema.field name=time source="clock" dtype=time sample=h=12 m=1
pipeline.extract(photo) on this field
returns h=11 m=37
